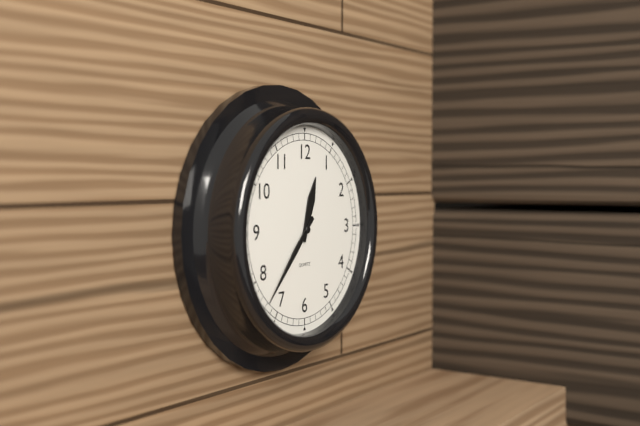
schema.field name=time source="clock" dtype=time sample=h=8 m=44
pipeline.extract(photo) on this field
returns h=12 m=37
